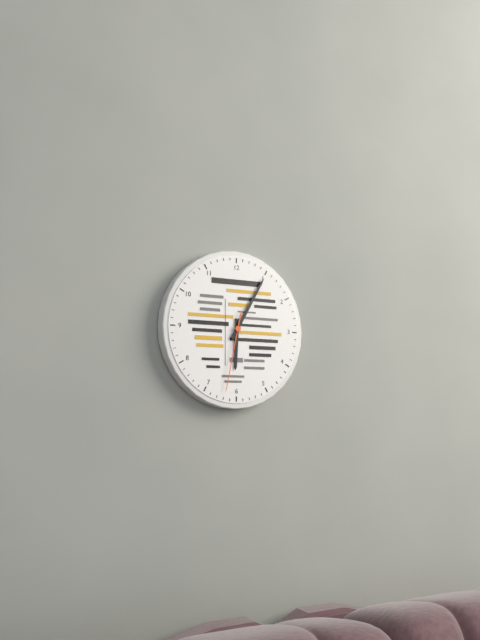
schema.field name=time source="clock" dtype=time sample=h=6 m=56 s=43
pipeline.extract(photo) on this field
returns h=6 m=5 s=32
